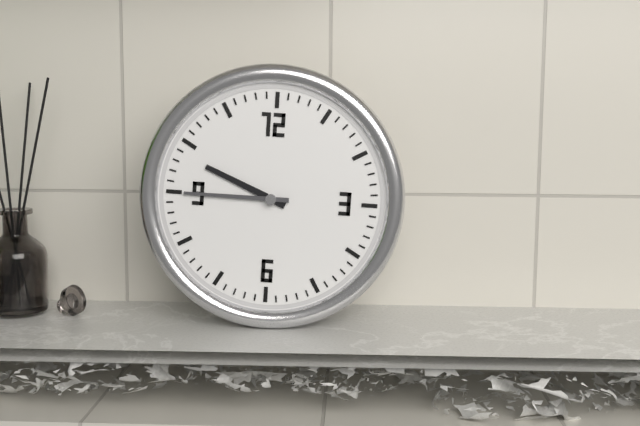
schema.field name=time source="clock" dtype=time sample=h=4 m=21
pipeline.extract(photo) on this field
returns h=9 m=45
